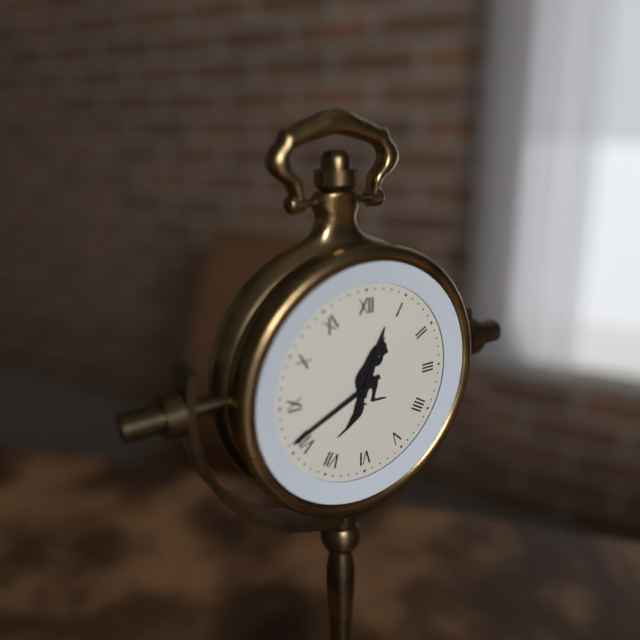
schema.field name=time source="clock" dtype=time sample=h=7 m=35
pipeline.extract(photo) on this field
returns h=12 m=41
